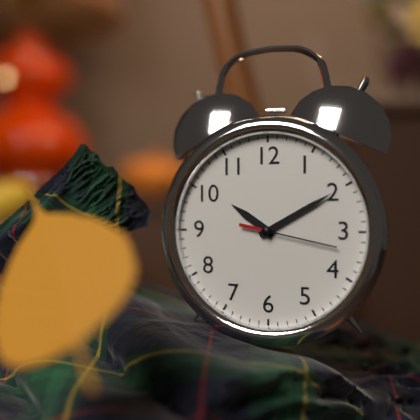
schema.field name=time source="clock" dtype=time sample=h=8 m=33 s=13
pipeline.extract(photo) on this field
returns h=10 m=10 s=17
